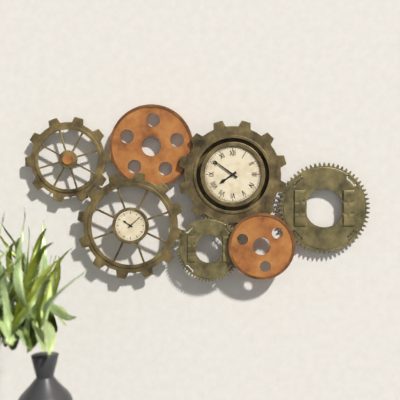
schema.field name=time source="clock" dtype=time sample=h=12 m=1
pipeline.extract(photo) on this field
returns h=7 m=51
